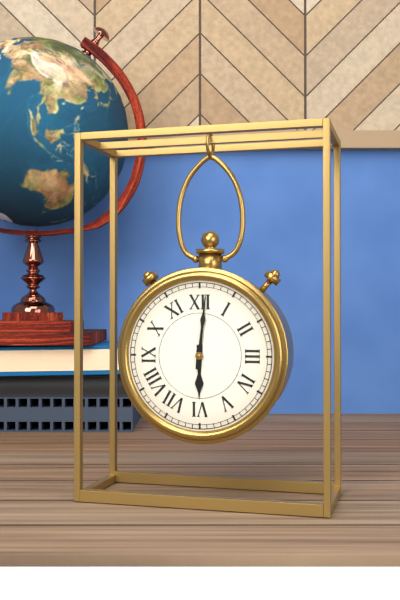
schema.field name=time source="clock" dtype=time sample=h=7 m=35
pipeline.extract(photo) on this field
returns h=6 m=1
